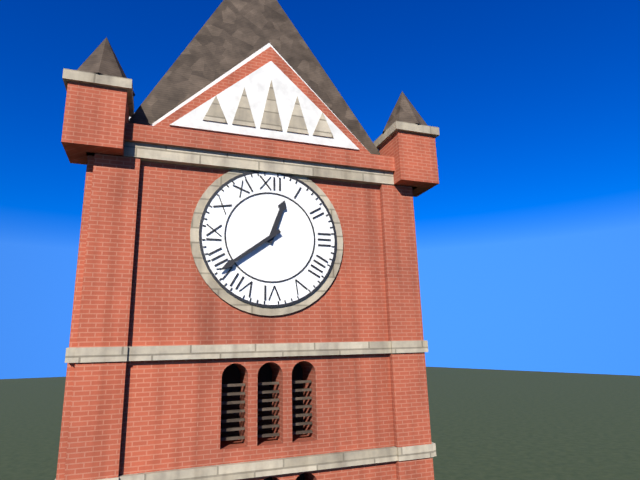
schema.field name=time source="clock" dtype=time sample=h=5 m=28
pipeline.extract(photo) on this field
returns h=12 m=39
